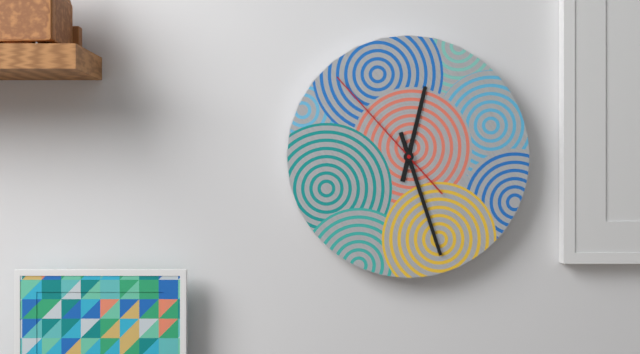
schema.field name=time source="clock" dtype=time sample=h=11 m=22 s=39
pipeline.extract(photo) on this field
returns h=12 m=27 s=53
